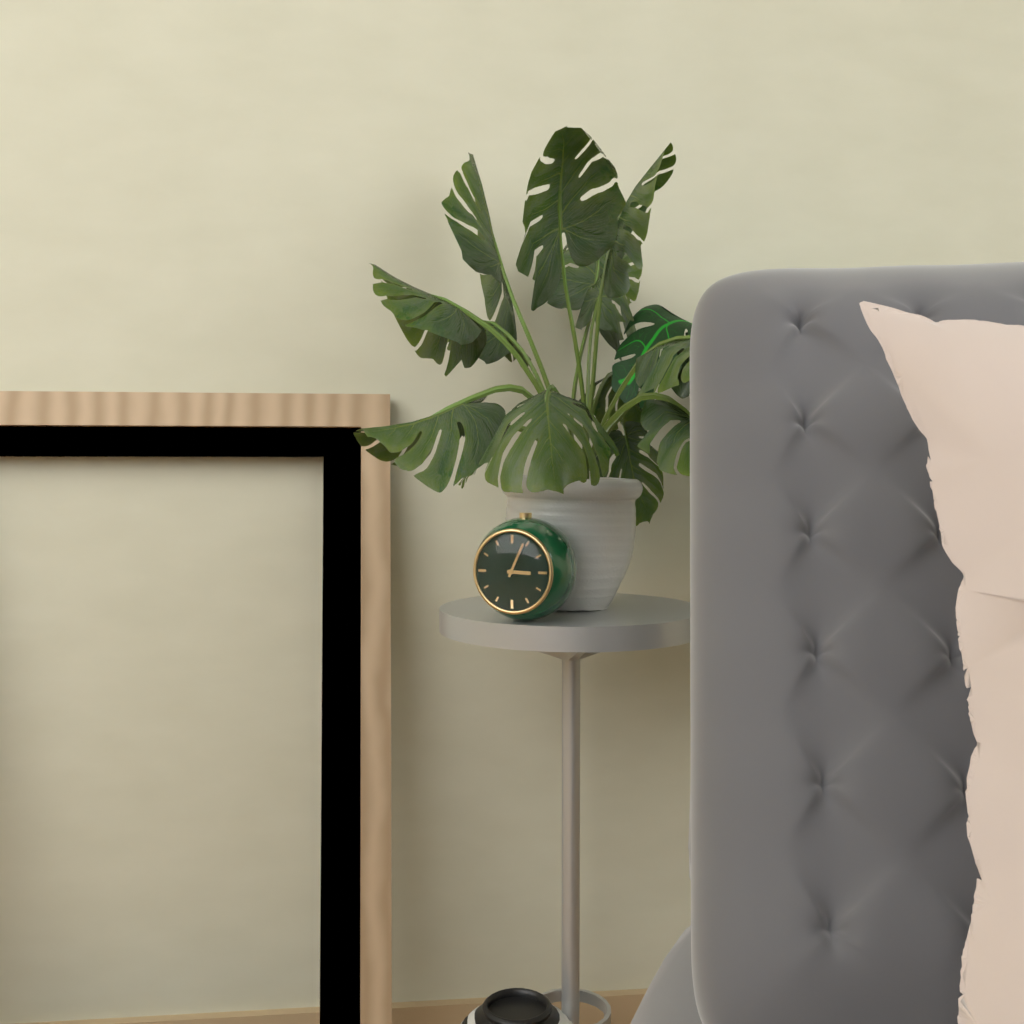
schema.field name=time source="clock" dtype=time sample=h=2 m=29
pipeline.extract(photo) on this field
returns h=3 m=4
